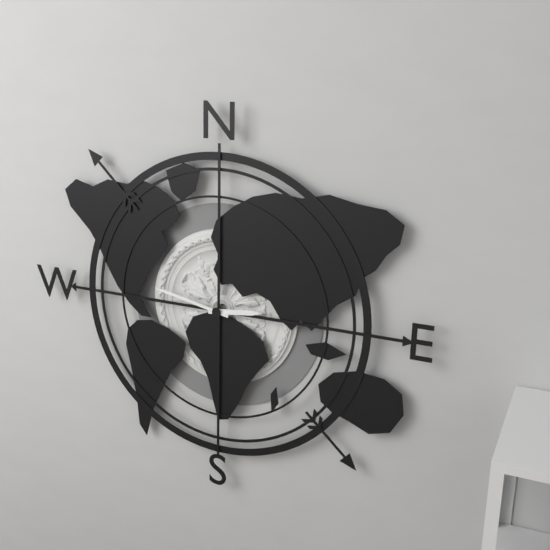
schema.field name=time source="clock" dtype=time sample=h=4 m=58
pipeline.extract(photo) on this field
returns h=2 m=47
